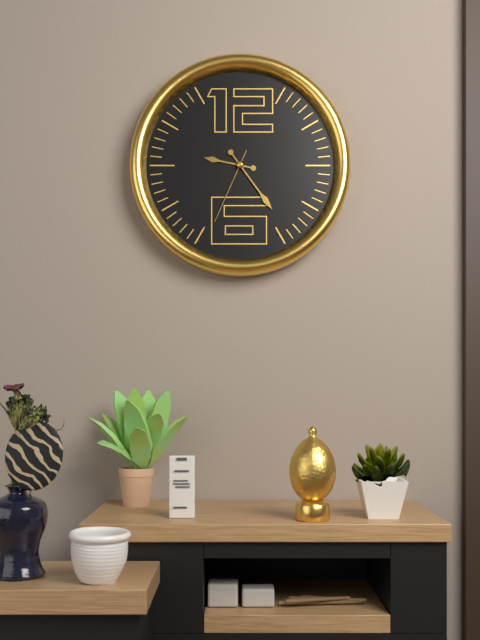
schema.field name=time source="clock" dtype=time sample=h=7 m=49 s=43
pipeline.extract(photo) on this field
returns h=9 m=24 s=34
